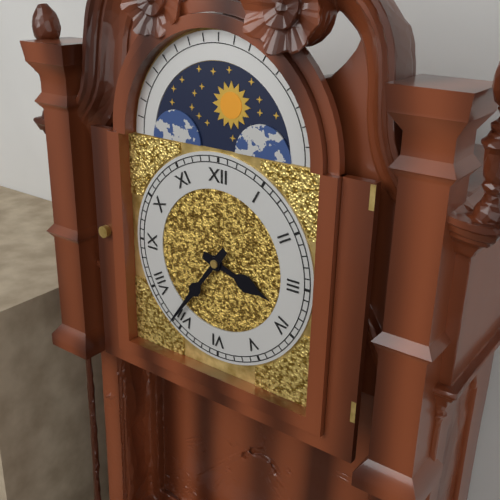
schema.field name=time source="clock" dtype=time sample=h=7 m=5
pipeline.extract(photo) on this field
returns h=3 m=36
